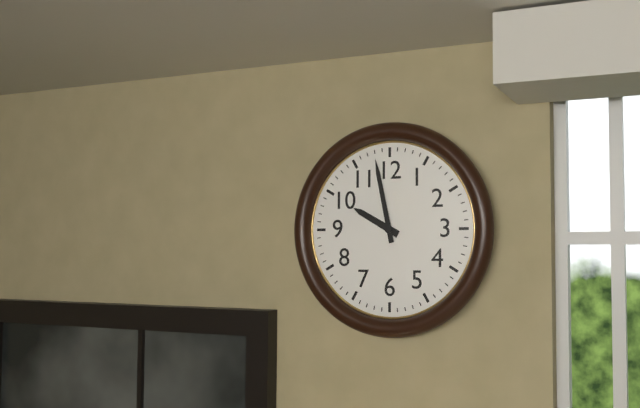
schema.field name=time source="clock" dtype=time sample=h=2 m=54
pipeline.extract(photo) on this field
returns h=9 m=58
